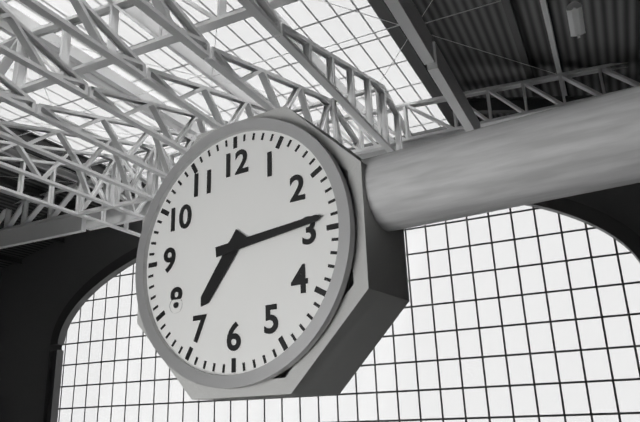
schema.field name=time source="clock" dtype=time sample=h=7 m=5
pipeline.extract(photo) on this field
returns h=7 m=14
